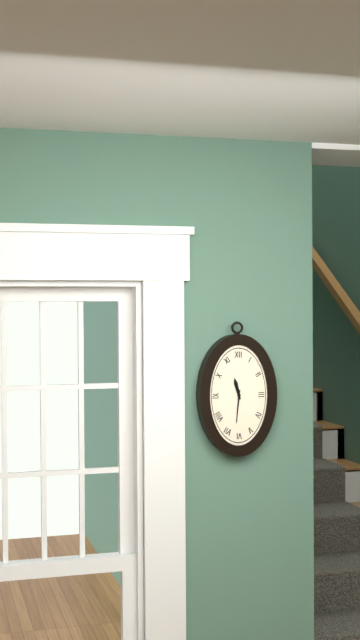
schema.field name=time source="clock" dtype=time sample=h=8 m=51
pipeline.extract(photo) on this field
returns h=11 m=31
